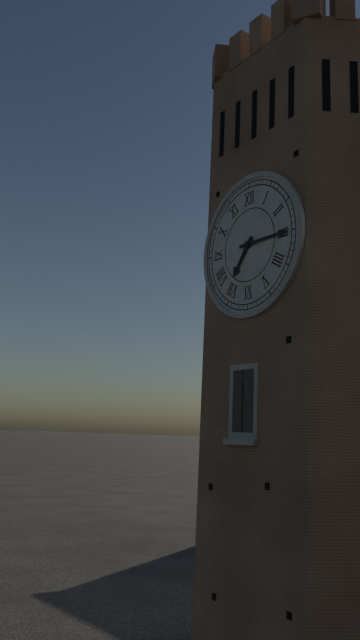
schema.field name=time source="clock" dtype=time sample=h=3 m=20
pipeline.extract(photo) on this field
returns h=7 m=15
